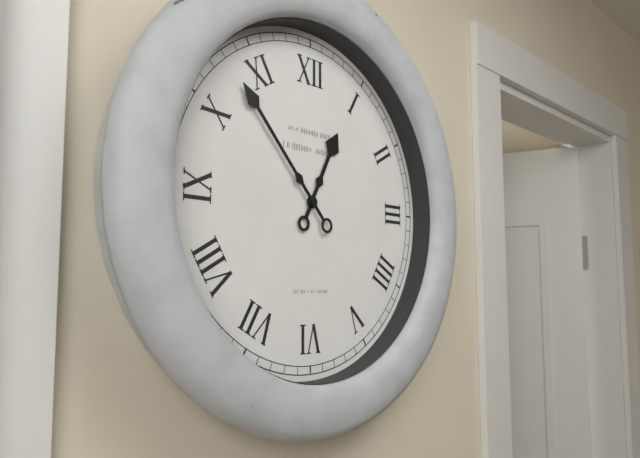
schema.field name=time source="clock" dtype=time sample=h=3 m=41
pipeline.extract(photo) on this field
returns h=12 m=53
